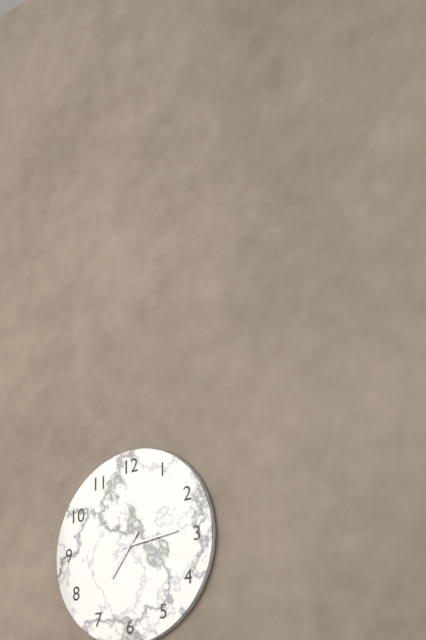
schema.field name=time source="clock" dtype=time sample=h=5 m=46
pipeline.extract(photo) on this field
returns h=7 m=14
